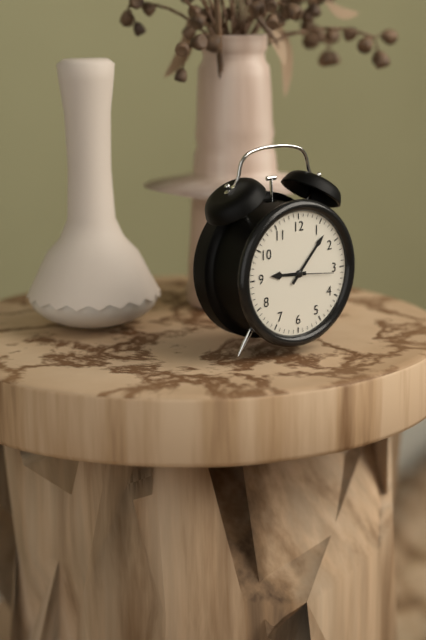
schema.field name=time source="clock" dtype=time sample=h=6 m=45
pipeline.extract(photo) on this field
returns h=9 m=7
